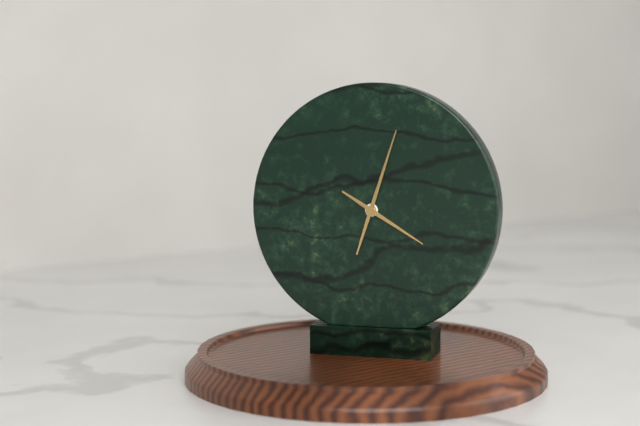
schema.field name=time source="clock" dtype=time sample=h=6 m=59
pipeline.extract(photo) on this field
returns h=4 m=3
